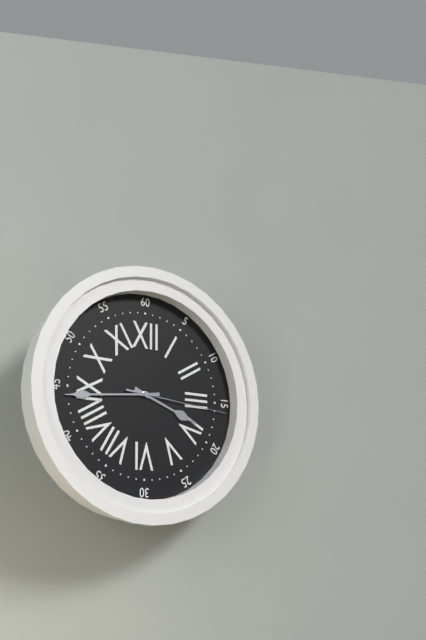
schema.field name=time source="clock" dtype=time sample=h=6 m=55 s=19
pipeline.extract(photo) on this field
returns h=3 m=44 s=16
